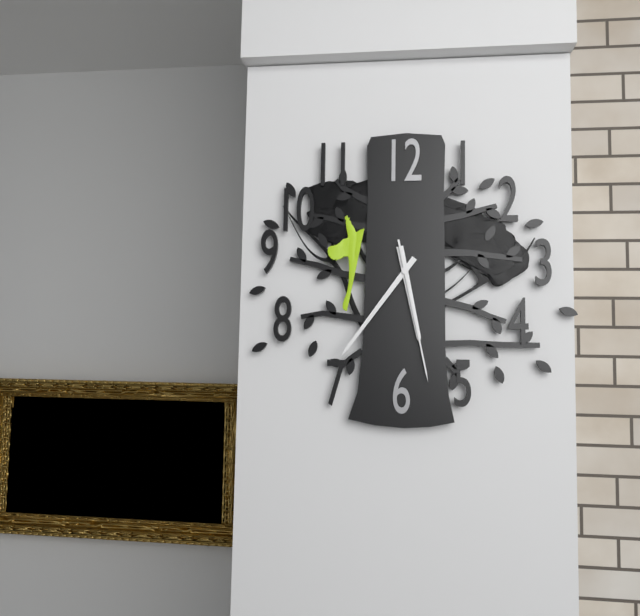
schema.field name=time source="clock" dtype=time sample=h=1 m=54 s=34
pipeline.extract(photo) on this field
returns h=5 m=36 s=28
